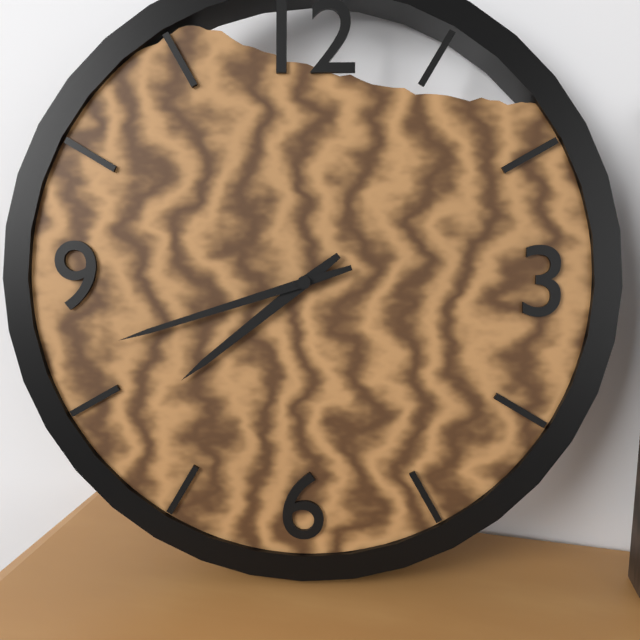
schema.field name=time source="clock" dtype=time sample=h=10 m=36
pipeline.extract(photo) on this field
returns h=7 m=42
